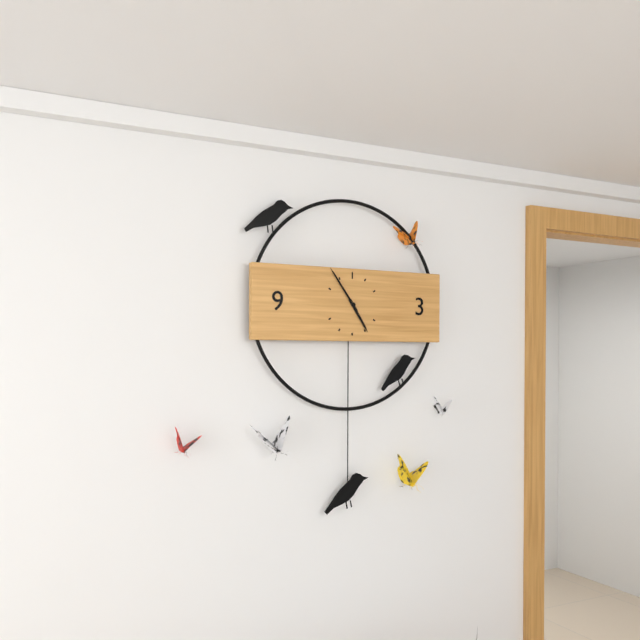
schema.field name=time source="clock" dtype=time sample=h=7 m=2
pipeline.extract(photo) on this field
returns h=4 m=54
